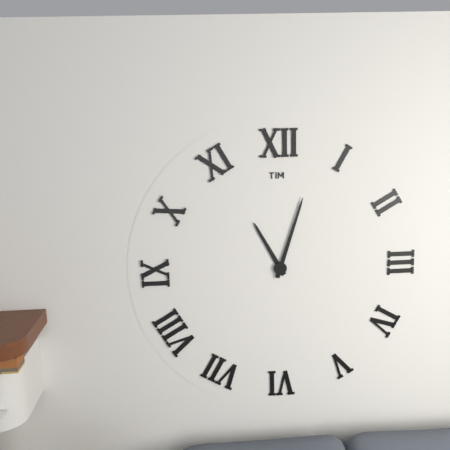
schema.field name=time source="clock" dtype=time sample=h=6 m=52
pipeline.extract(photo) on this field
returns h=11 m=3
